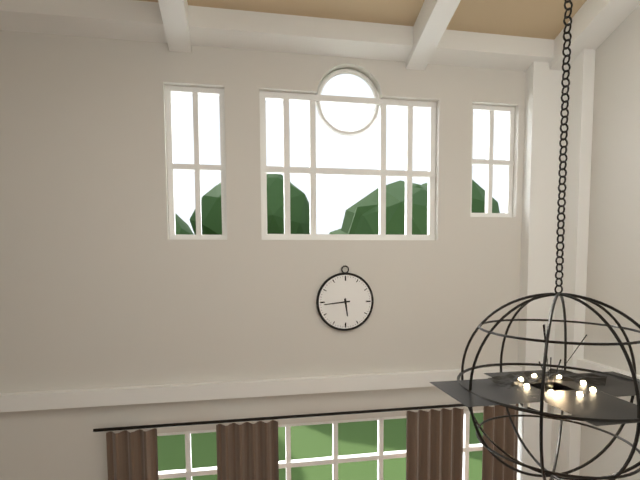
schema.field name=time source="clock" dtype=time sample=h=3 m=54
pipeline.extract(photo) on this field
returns h=5 m=44
